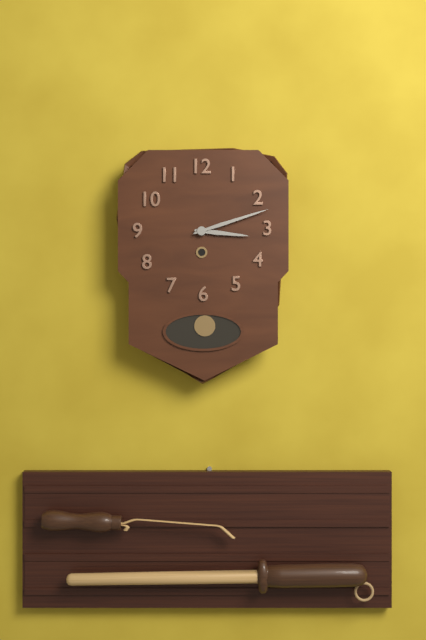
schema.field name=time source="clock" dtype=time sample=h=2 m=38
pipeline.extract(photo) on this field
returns h=3 m=12
